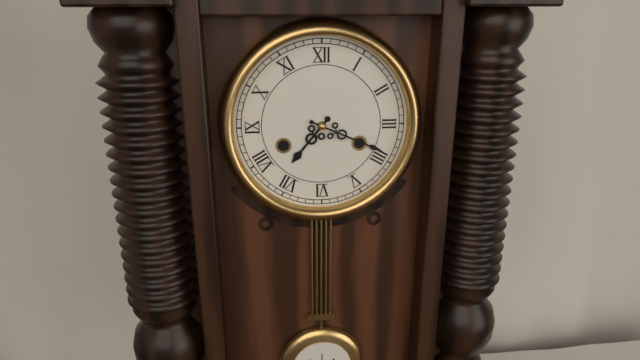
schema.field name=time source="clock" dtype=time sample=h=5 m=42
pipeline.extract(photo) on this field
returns h=7 m=19
